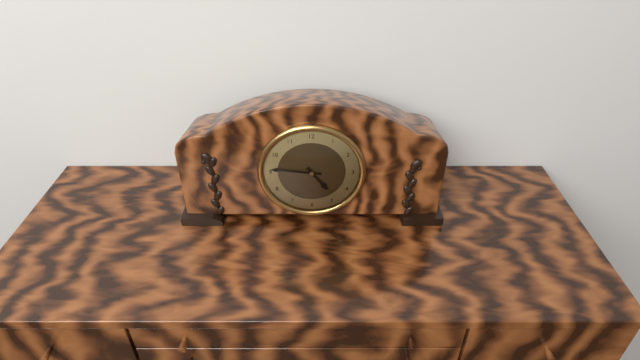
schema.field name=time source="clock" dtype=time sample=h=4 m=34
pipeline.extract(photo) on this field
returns h=4 m=46
